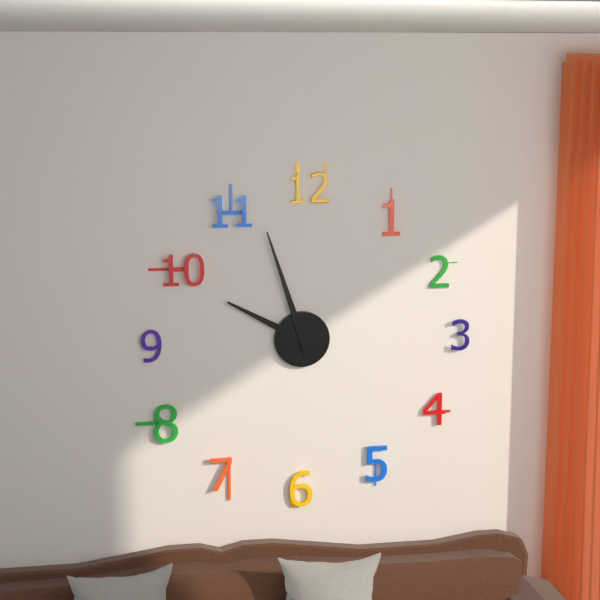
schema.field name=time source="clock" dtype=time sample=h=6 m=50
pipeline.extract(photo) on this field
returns h=9 m=57
